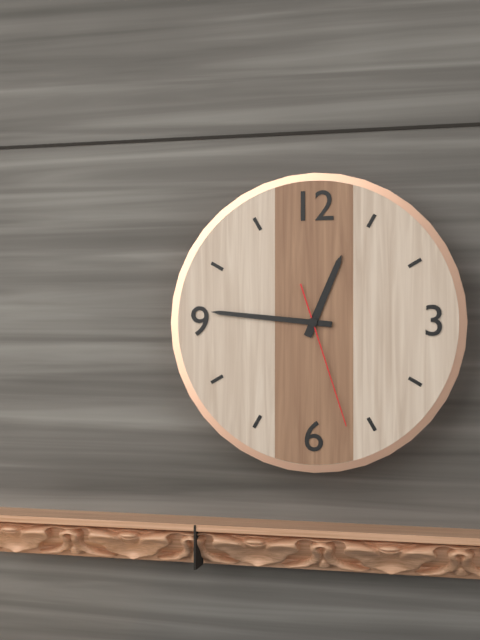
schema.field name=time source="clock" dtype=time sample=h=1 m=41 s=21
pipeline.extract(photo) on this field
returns h=12 m=46 s=27
